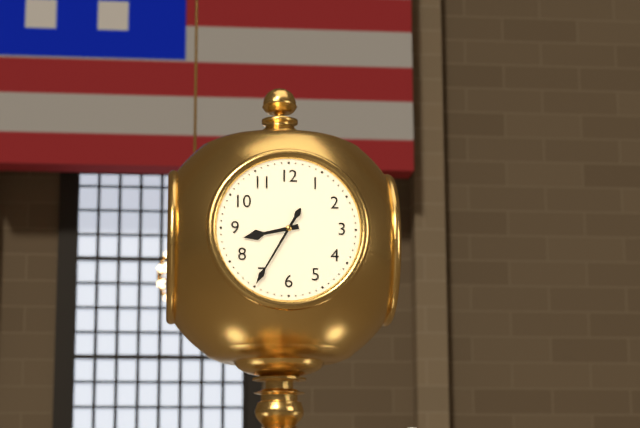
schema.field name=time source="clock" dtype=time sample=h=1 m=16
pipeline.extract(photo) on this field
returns h=8 m=35
